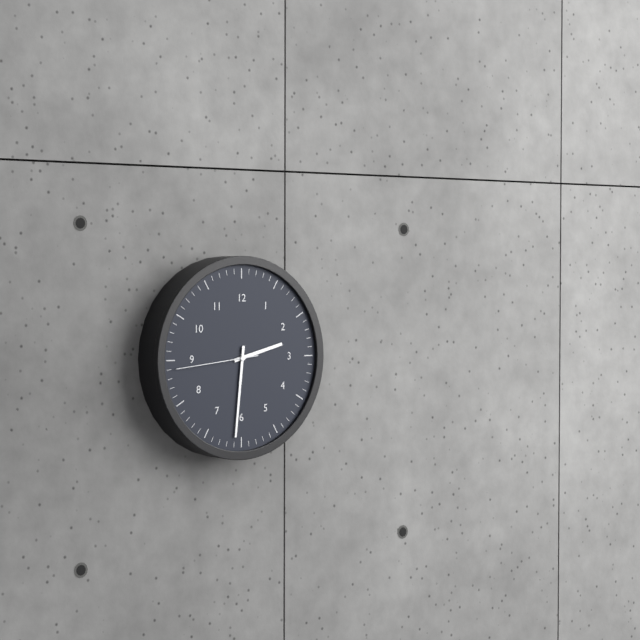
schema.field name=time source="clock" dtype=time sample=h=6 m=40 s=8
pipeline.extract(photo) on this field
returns h=2 m=31 s=44
